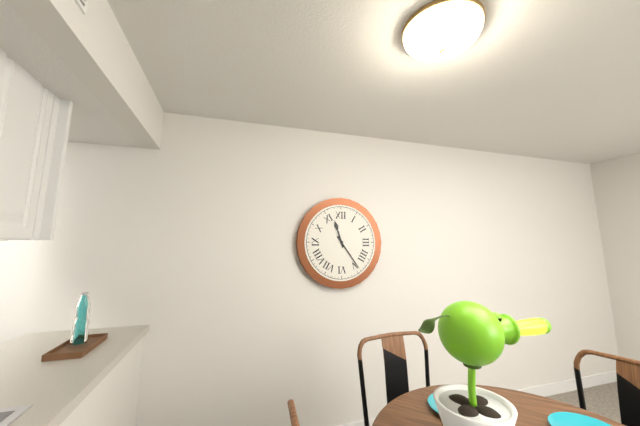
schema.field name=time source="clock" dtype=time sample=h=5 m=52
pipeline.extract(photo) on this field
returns h=11 m=24
